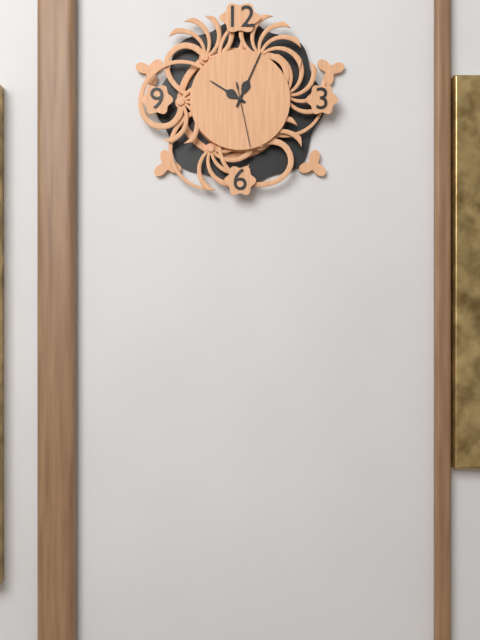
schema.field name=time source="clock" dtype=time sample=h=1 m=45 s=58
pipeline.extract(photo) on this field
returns h=10 m=4 s=28
